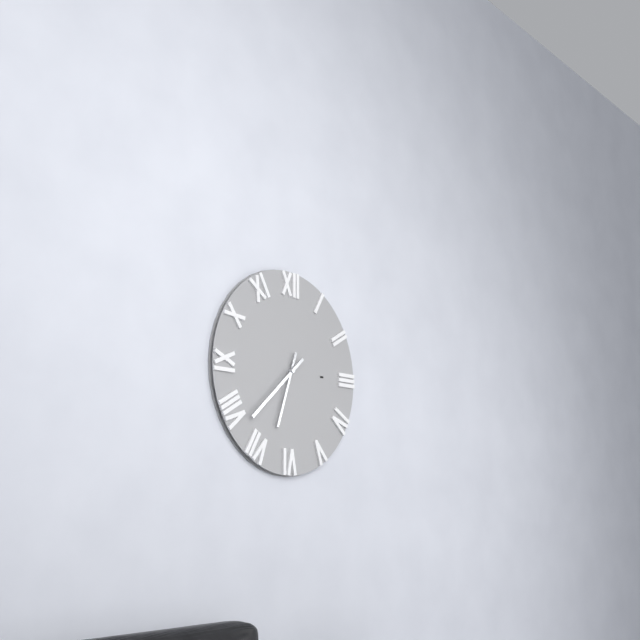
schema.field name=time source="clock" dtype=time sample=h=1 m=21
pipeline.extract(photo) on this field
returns h=6 m=38
